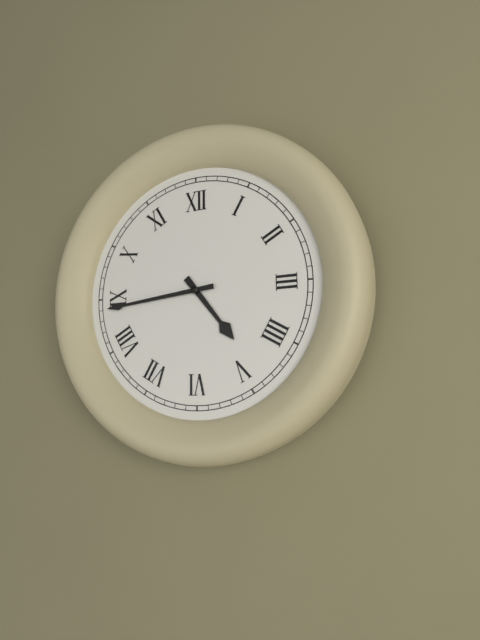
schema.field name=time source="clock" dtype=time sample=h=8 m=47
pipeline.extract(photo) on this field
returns h=4 m=44
